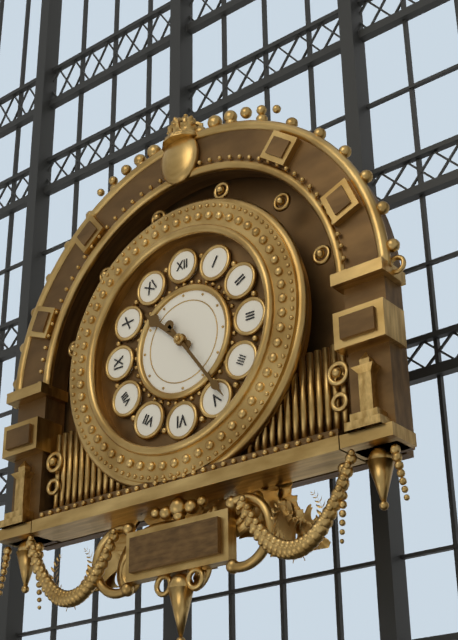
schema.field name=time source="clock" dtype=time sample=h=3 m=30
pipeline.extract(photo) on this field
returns h=10 m=24
